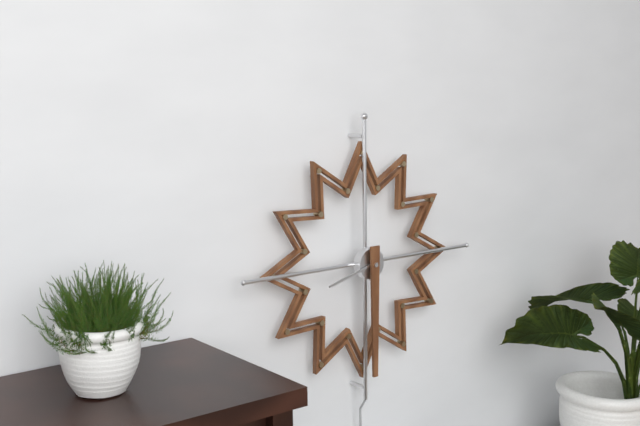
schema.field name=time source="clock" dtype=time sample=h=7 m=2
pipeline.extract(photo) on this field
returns h=8 m=30
